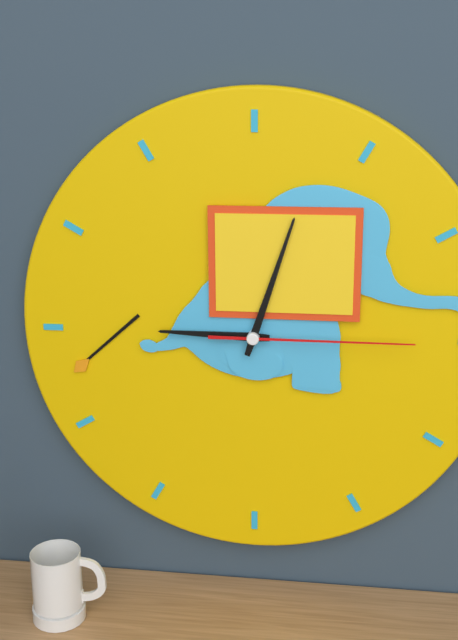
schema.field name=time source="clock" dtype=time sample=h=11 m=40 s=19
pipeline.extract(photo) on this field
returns h=9 m=3 s=15
